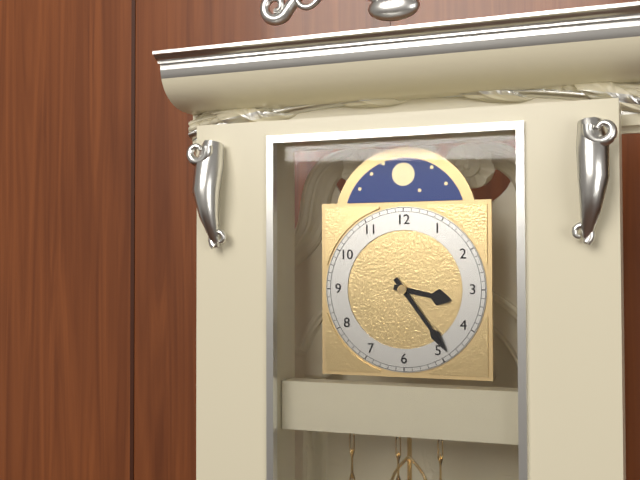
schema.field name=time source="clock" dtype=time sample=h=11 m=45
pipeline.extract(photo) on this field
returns h=3 m=24
